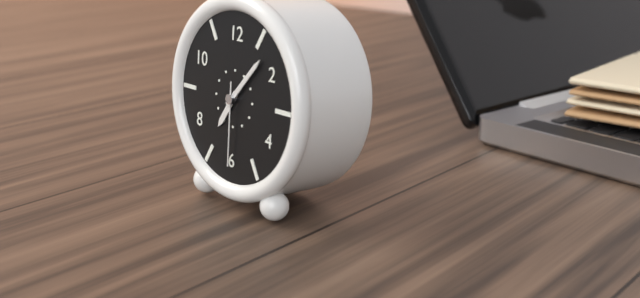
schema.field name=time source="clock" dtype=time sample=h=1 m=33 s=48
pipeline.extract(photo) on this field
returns h=7 m=7 s=30
